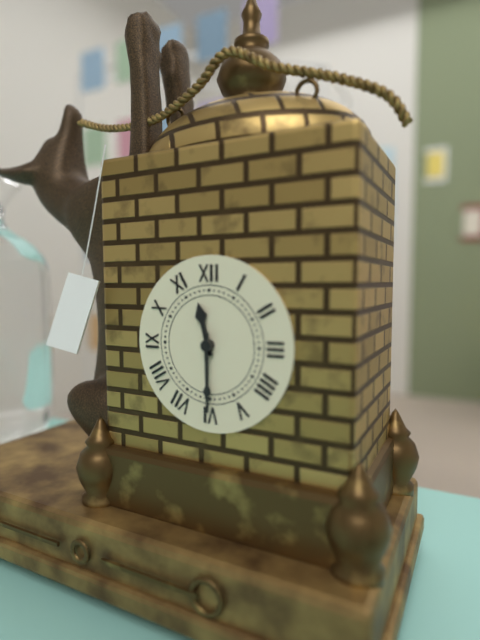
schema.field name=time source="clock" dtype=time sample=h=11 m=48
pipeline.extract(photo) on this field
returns h=11 m=30
